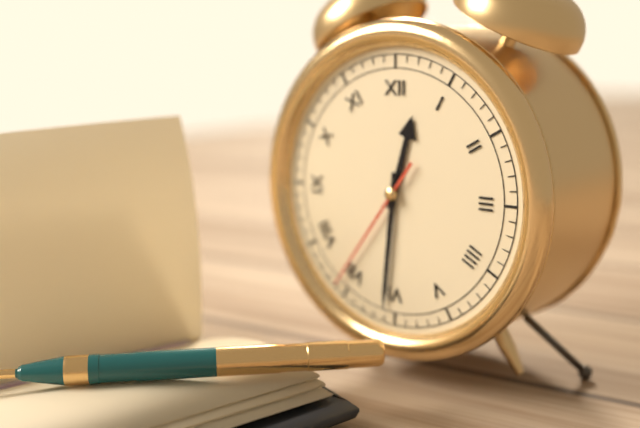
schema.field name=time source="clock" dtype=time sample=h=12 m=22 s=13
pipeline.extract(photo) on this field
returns h=12 m=31 s=36
